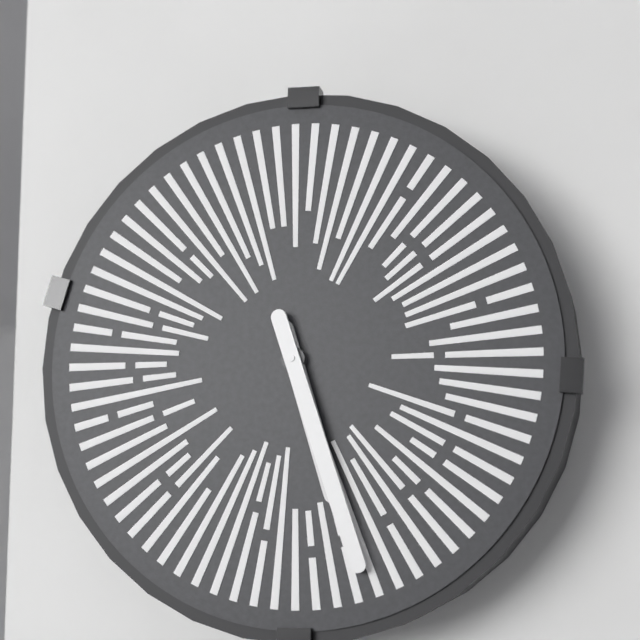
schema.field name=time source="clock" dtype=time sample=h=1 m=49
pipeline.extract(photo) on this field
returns h=5 m=27
